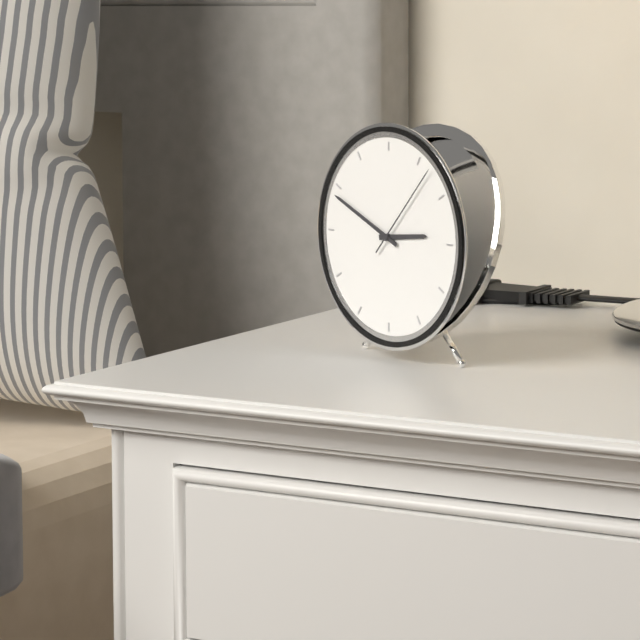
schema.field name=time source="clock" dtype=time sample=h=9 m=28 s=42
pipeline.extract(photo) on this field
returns h=2 m=49 s=7
